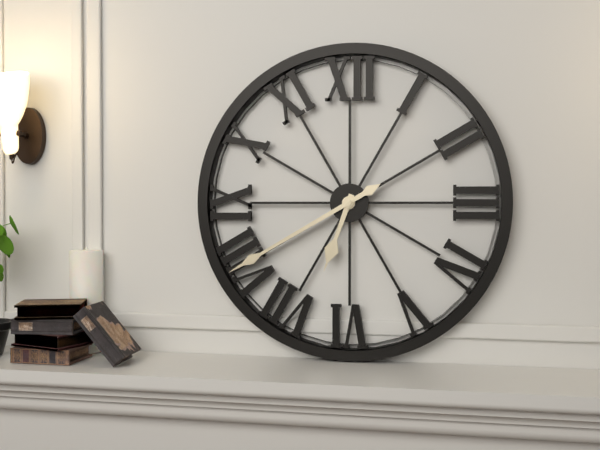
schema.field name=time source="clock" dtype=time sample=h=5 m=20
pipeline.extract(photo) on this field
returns h=6 m=40
